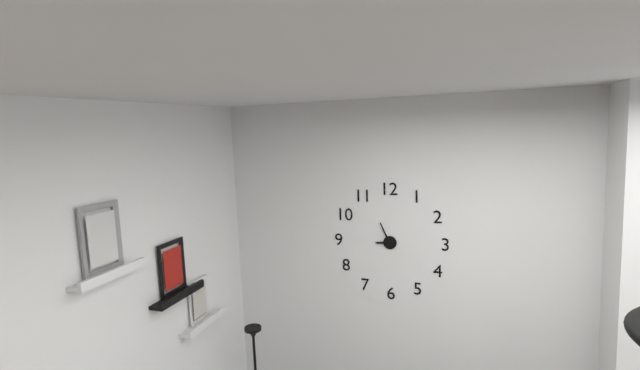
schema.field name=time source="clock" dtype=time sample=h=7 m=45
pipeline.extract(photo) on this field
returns h=8 m=56
